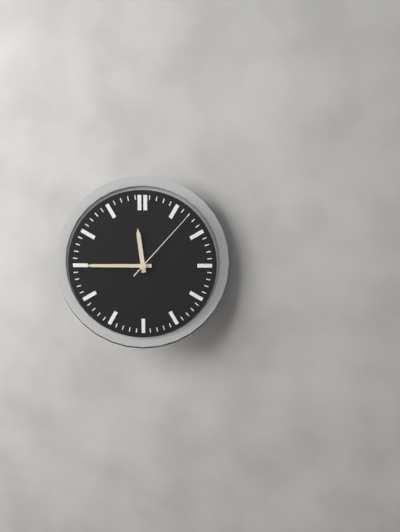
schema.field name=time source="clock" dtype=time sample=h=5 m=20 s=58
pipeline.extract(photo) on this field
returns h=11 m=45 s=7
